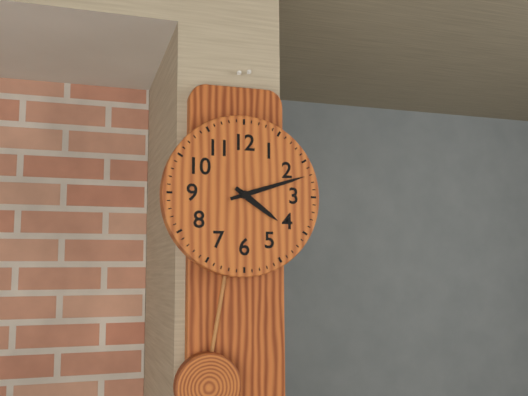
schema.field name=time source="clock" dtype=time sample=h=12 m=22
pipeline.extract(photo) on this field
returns h=4 m=12
